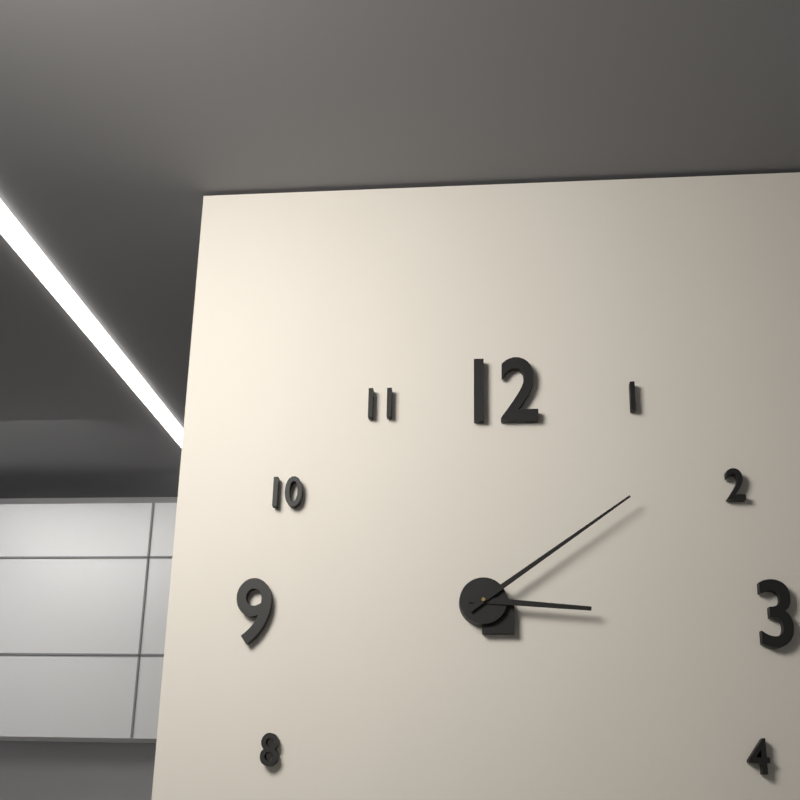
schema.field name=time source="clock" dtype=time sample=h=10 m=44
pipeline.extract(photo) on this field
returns h=3 m=9
